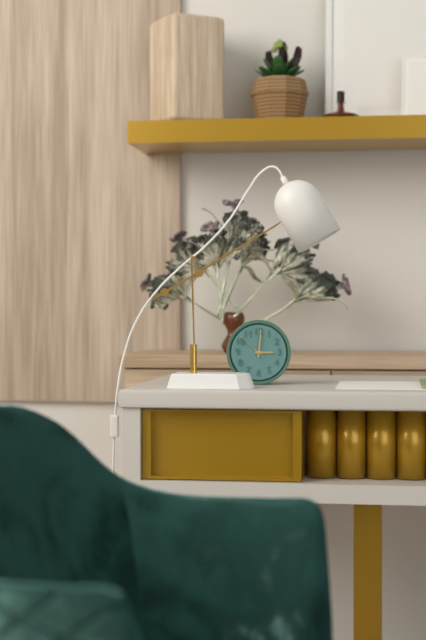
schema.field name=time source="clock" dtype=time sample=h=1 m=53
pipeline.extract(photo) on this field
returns h=3 m=1
